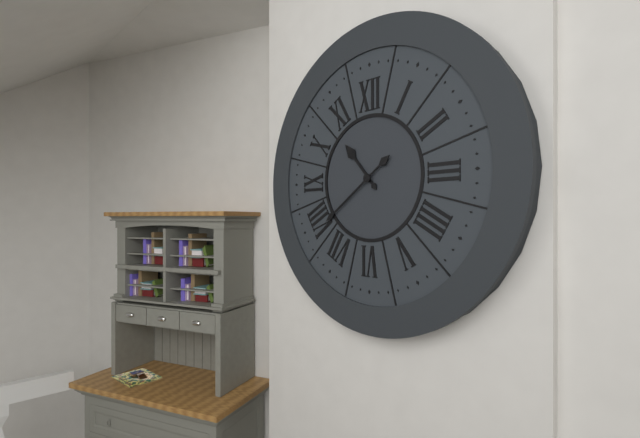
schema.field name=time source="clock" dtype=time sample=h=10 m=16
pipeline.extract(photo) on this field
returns h=10 m=39
